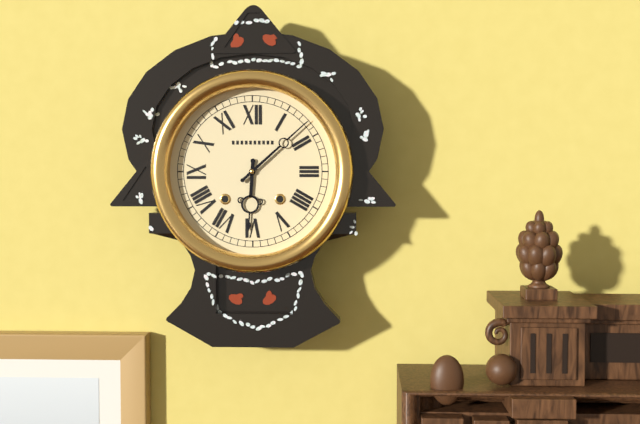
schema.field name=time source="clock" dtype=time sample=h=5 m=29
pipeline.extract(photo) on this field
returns h=6 m=8
